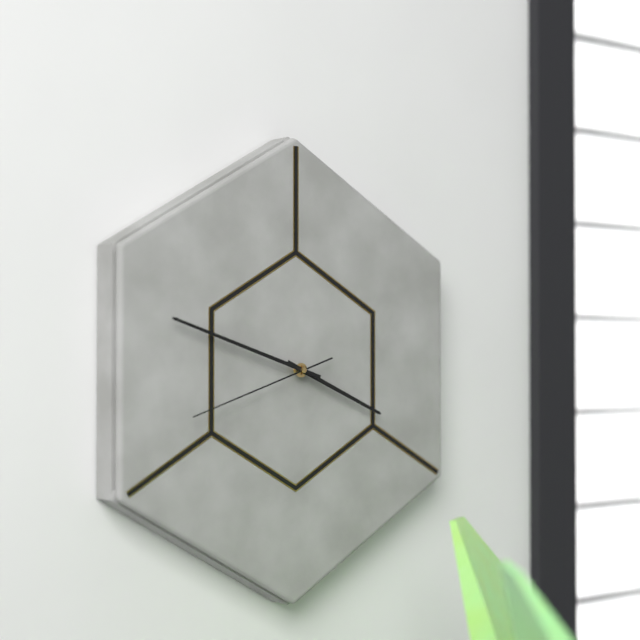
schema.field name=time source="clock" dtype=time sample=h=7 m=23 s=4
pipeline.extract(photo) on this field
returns h=3 m=48 s=42
